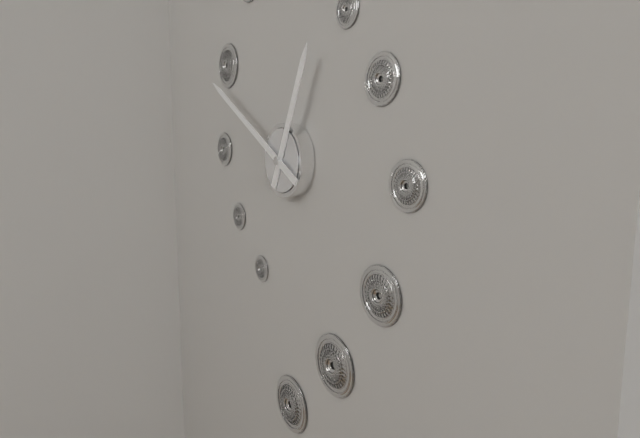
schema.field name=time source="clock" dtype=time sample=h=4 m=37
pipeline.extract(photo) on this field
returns h=12 m=50
